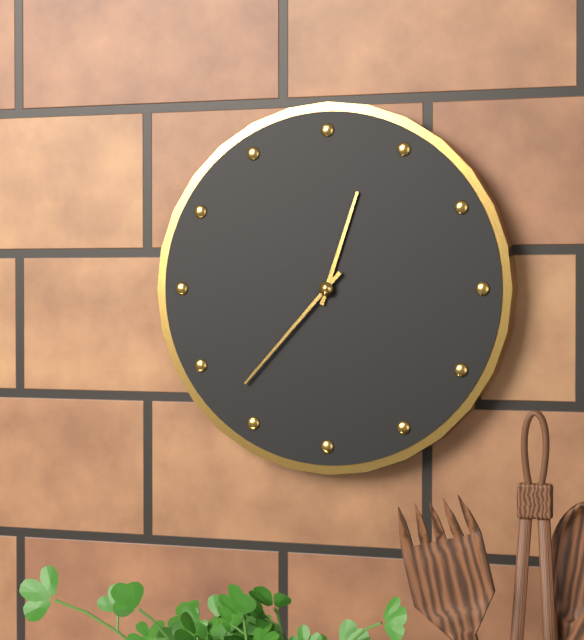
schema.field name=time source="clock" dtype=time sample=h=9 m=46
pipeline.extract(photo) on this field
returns h=12 m=37
